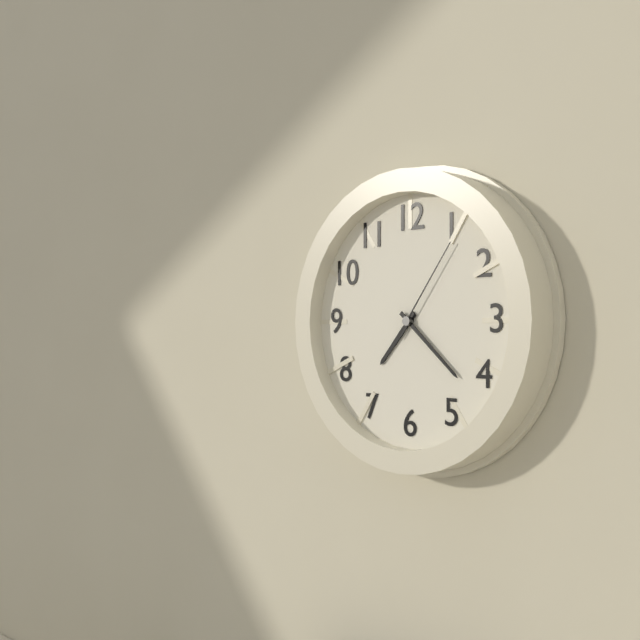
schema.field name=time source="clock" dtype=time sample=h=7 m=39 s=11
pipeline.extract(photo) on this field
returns h=7 m=22 s=6
